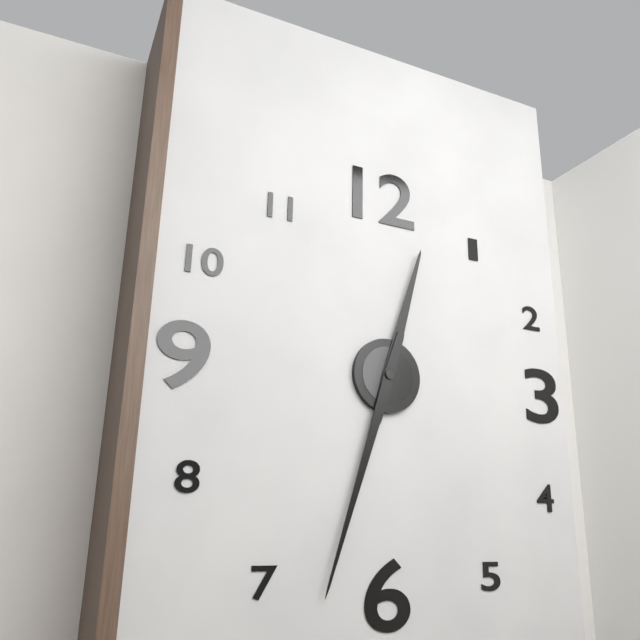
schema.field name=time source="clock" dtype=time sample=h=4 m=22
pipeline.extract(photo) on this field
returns h=12 m=33
